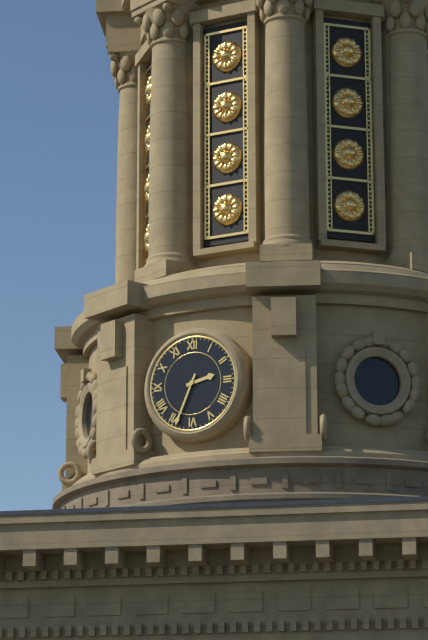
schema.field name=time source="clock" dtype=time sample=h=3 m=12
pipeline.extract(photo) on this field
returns h=2 m=34
